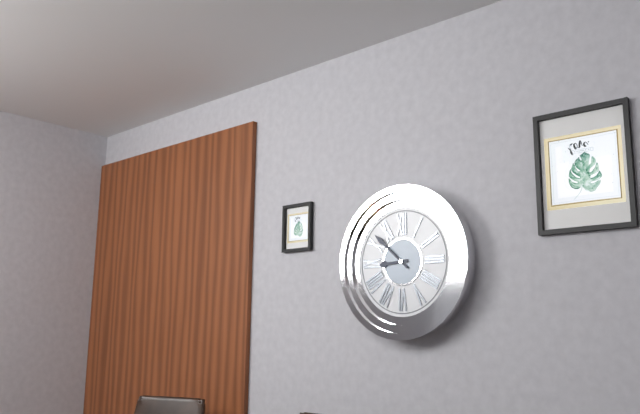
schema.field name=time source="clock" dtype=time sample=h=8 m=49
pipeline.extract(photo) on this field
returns h=8 m=52
